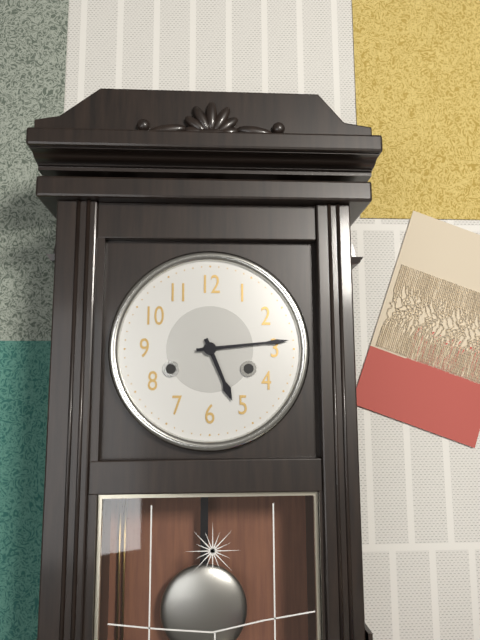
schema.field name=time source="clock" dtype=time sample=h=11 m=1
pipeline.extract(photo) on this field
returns h=5 m=14
